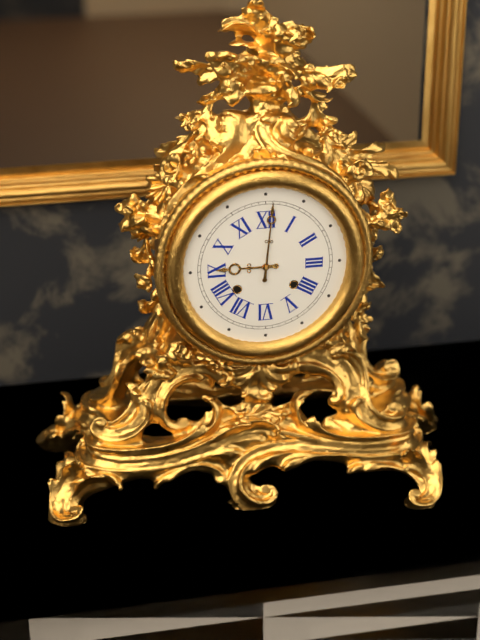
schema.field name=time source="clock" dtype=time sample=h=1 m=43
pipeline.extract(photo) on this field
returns h=9 m=1
